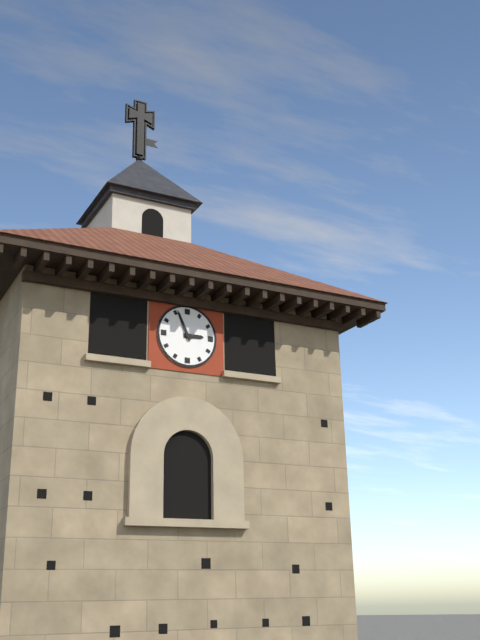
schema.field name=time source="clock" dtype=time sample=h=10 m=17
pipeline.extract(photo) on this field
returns h=2 m=56
